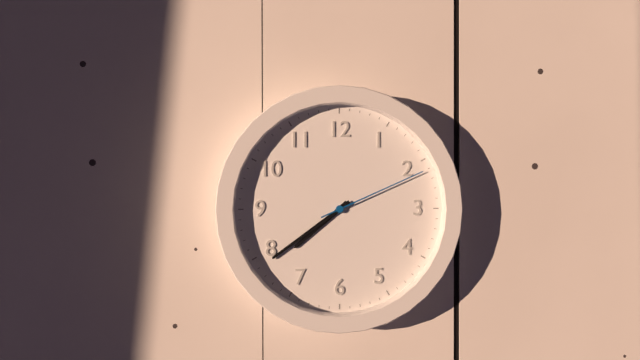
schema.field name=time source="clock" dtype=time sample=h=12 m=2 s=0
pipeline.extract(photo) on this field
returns h=7 m=39 s=11
